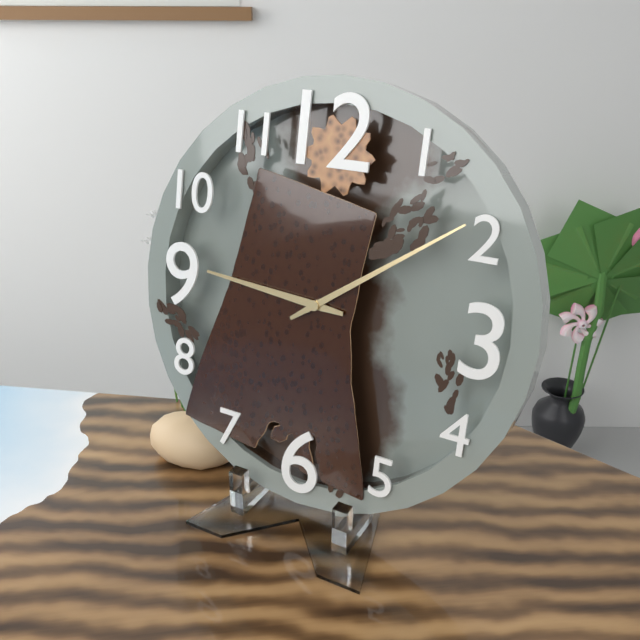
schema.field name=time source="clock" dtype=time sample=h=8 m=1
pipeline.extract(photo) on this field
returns h=9 m=9
